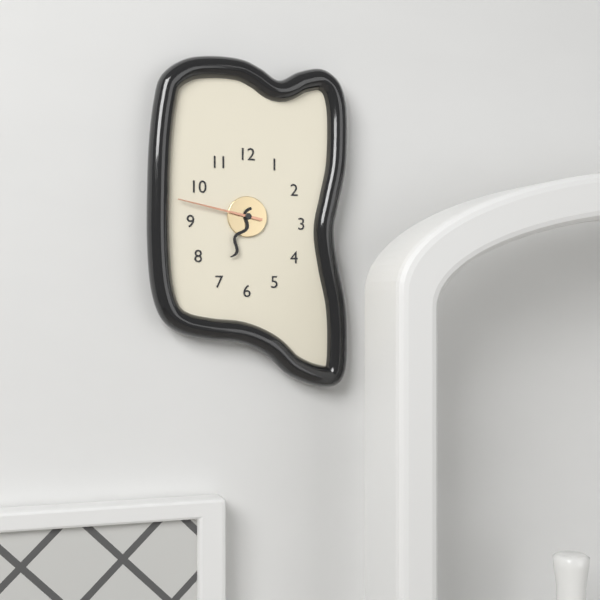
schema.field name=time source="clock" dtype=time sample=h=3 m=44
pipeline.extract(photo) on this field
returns h=6 m=47
